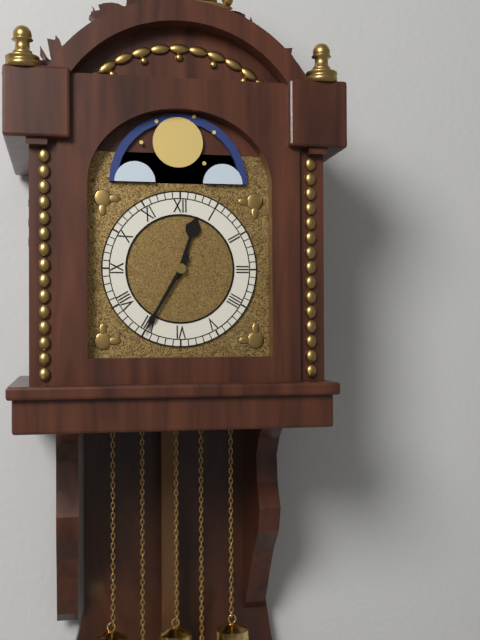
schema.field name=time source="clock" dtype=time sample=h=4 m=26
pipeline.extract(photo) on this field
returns h=12 m=35
